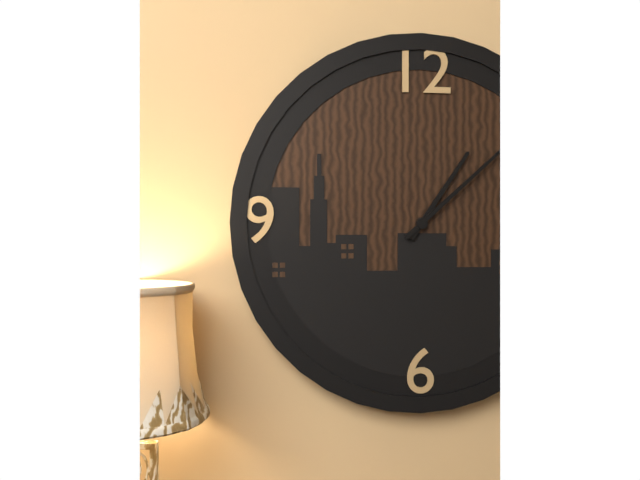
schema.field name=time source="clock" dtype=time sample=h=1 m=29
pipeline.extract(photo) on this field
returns h=1 m=8
